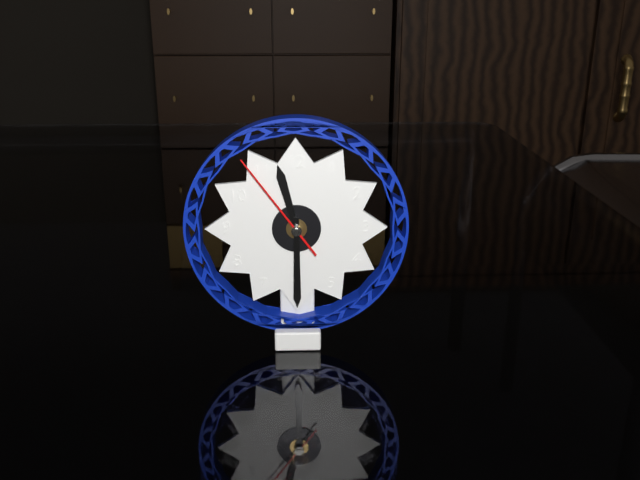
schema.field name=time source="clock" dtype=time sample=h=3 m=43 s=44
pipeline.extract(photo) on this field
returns h=11 m=30 s=54
